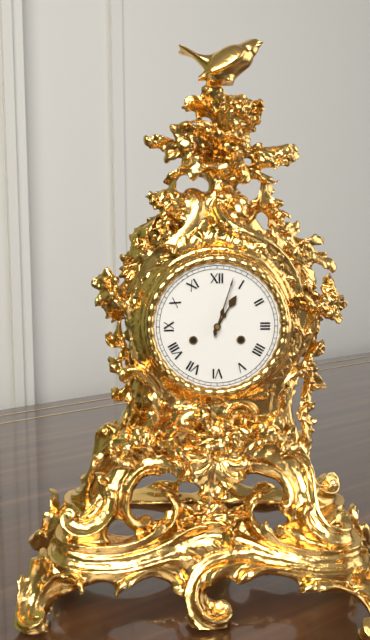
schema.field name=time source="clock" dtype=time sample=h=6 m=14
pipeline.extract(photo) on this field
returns h=1 m=3
